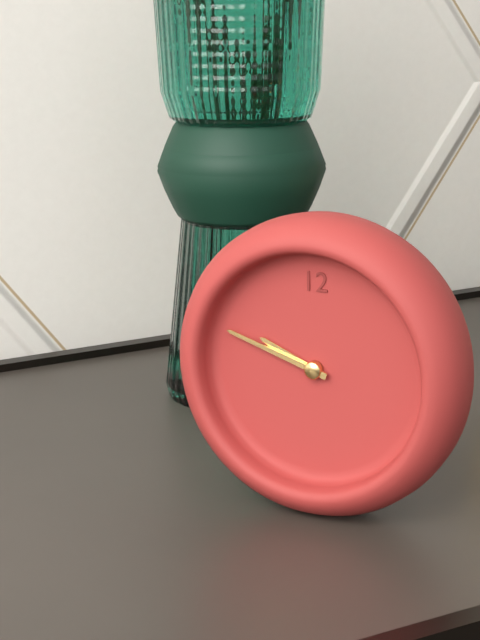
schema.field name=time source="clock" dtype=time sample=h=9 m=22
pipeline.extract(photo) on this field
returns h=9 m=48
